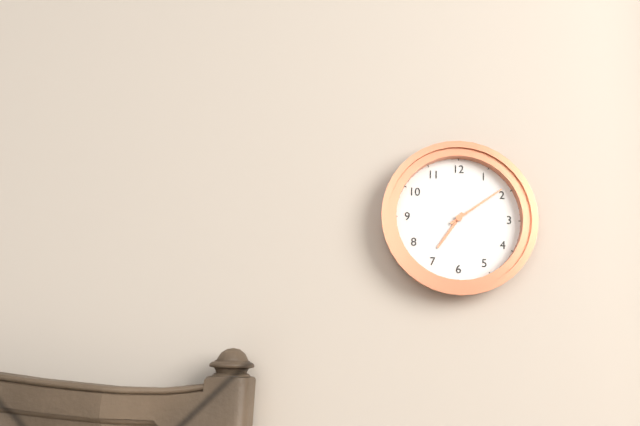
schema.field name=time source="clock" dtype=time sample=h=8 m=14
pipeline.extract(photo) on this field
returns h=7 m=9
